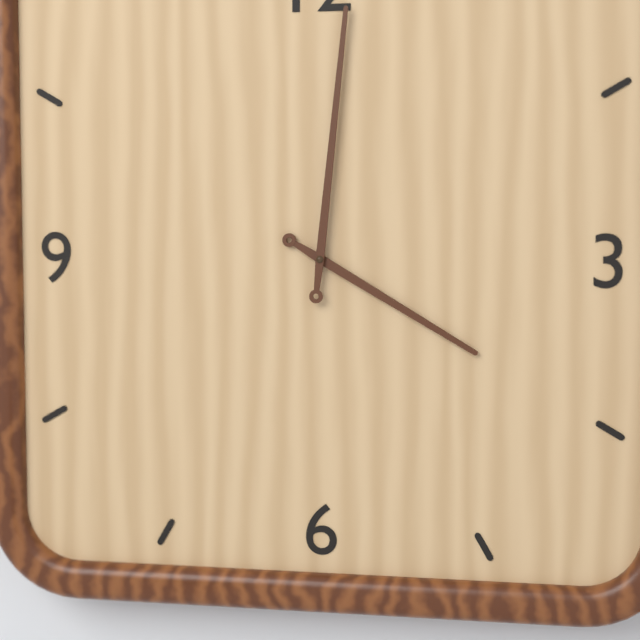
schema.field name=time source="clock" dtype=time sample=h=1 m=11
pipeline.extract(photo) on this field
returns h=4 m=1
